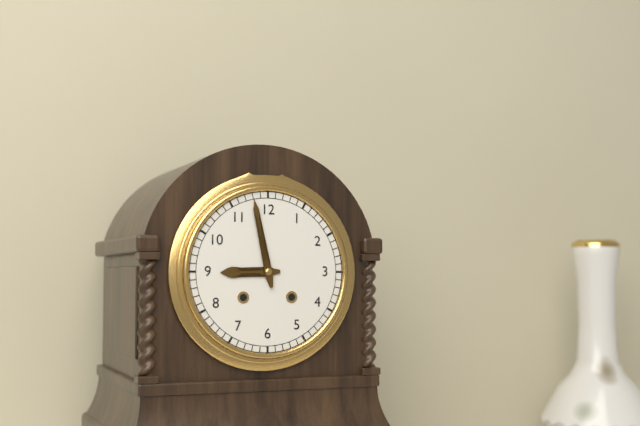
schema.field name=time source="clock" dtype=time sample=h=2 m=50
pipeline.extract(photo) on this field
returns h=8 m=58
